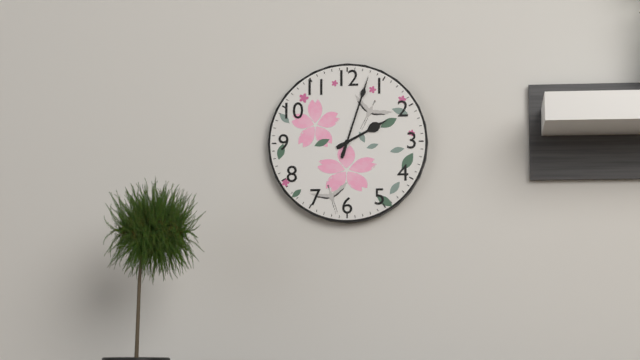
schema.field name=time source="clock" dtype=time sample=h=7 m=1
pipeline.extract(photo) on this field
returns h=2 m=3
